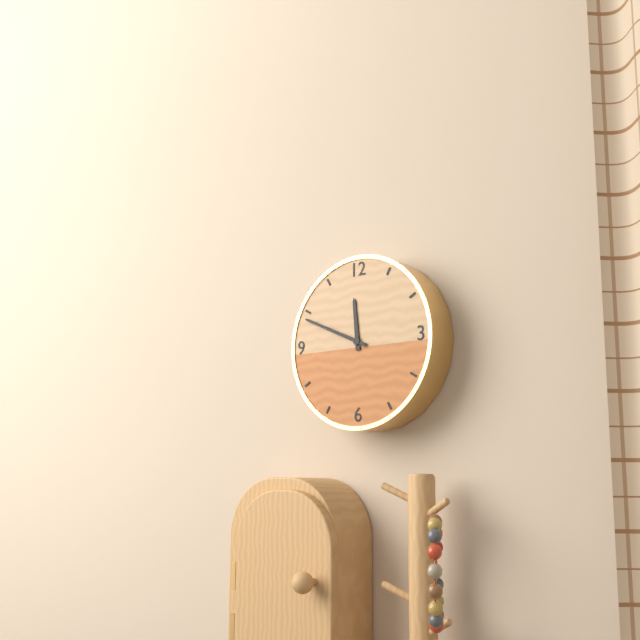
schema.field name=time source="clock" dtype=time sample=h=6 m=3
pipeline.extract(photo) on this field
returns h=11 m=49
